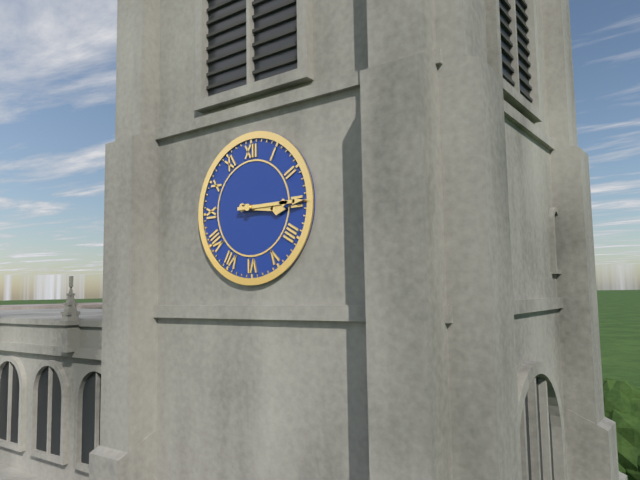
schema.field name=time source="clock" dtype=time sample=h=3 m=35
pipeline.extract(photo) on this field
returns h=3 m=15
